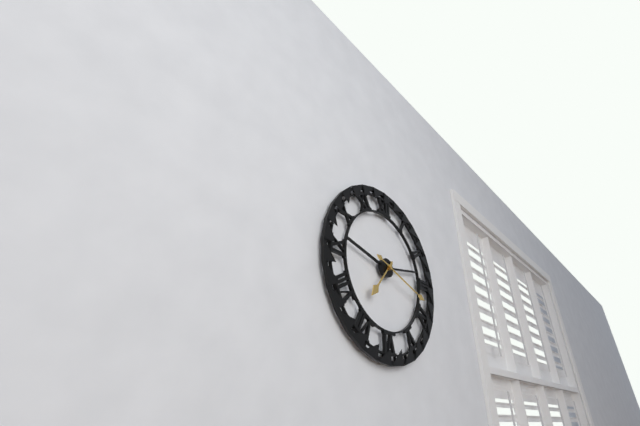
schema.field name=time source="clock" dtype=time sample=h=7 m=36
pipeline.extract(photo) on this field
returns h=7 m=18
